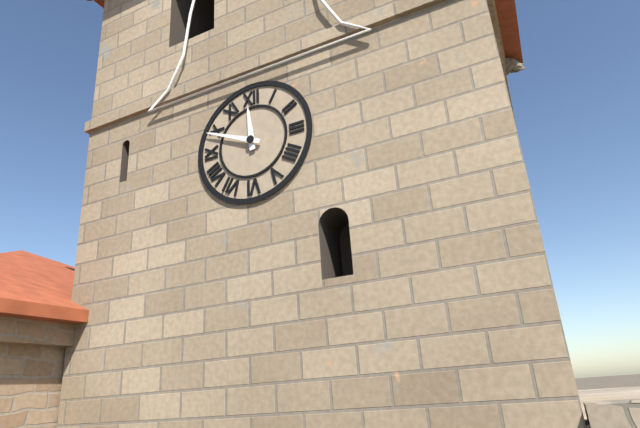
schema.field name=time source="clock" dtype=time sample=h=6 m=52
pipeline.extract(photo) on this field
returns h=11 m=49
